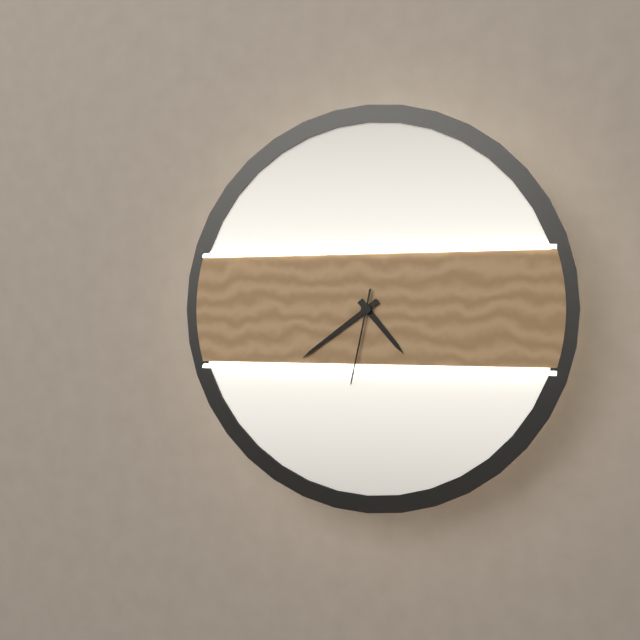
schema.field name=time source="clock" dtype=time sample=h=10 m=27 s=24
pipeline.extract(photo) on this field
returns h=4 m=39 s=32
